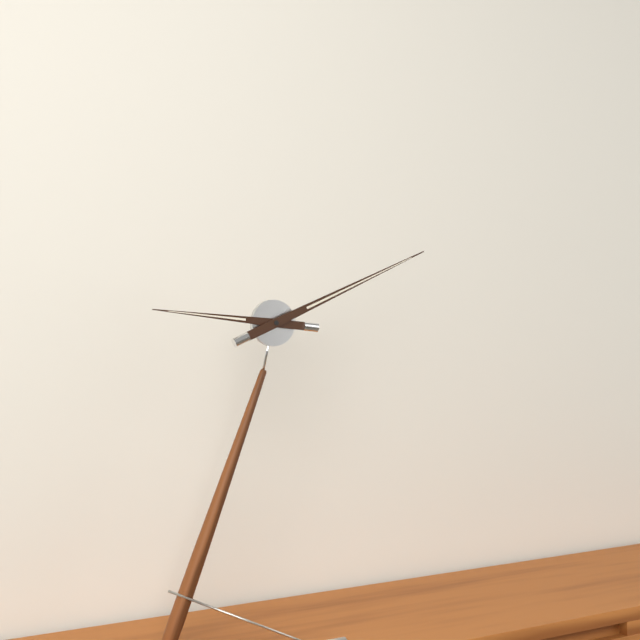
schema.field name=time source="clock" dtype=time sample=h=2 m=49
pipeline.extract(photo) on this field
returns h=9 m=11
